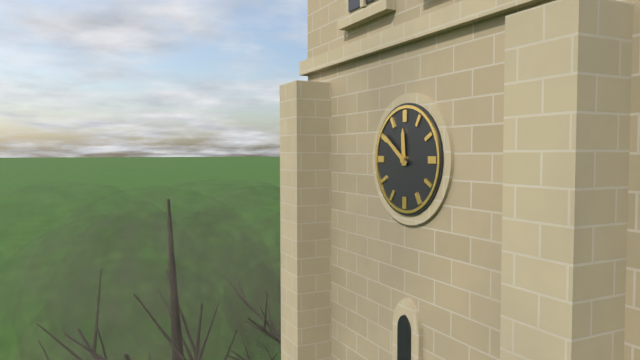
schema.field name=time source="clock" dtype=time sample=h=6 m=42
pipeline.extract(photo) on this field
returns h=11 m=51
